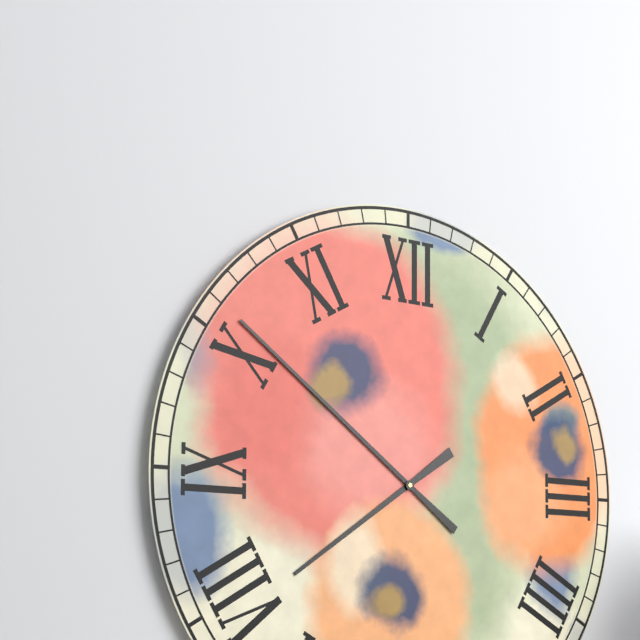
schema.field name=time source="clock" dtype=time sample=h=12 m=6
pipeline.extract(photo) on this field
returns h=7 m=51
